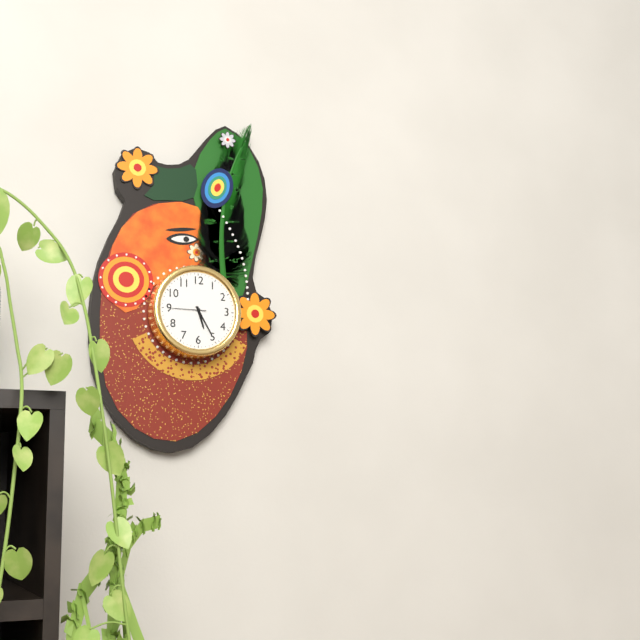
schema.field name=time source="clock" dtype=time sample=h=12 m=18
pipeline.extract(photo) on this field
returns h=5 m=25
